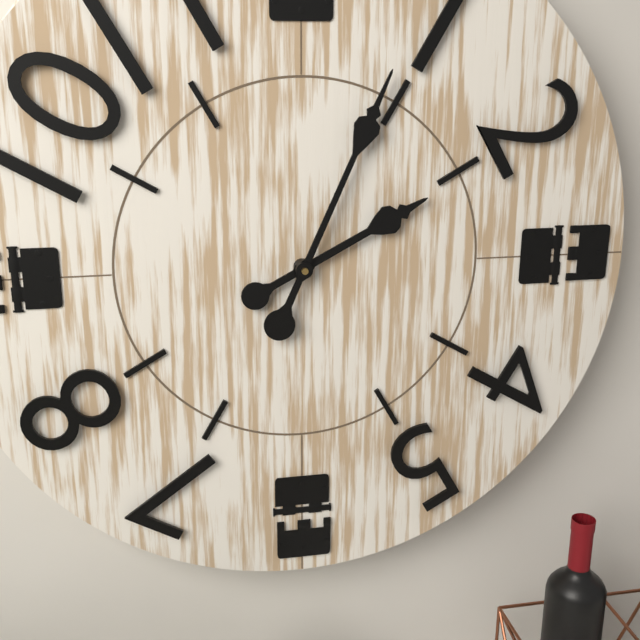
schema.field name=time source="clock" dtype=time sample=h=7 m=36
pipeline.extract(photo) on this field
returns h=2 m=4
